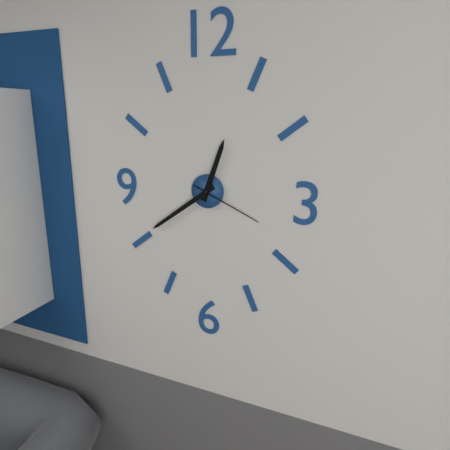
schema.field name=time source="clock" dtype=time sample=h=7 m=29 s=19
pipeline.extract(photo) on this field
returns h=12 m=39 s=19
